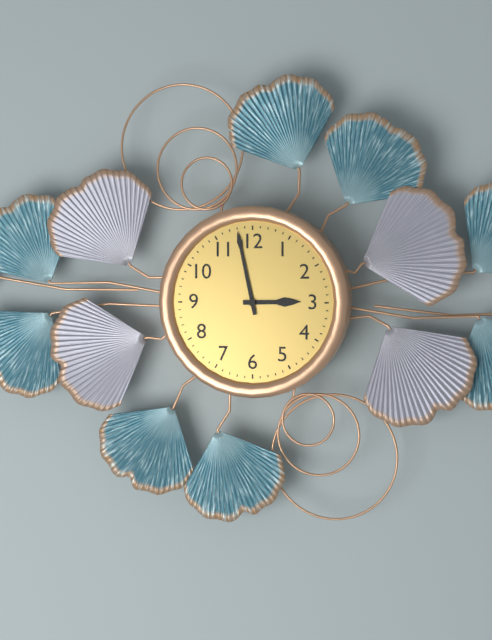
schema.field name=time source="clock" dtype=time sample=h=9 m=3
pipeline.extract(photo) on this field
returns h=2 m=58
